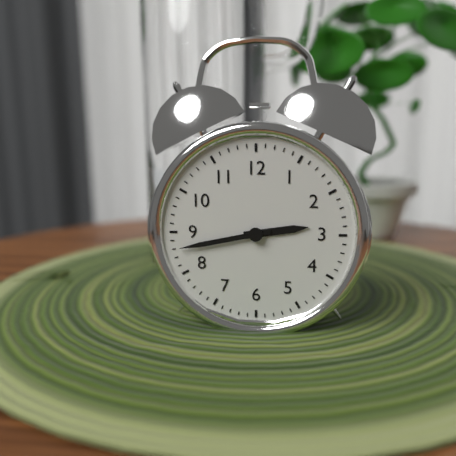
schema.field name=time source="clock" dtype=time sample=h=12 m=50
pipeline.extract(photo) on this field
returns h=2 m=43
